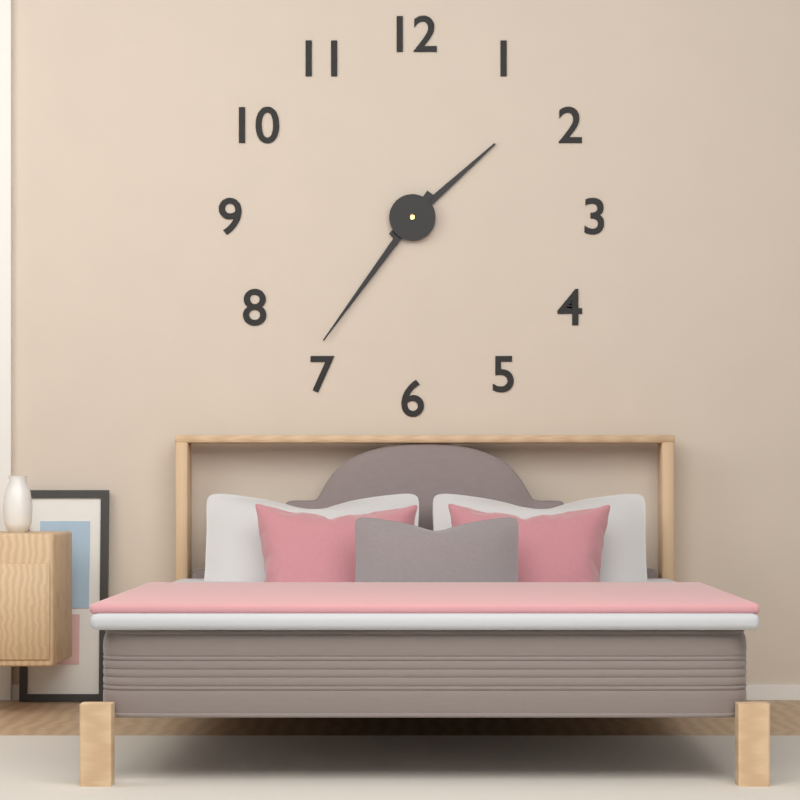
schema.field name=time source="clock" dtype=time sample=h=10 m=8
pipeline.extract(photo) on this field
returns h=1 m=36
